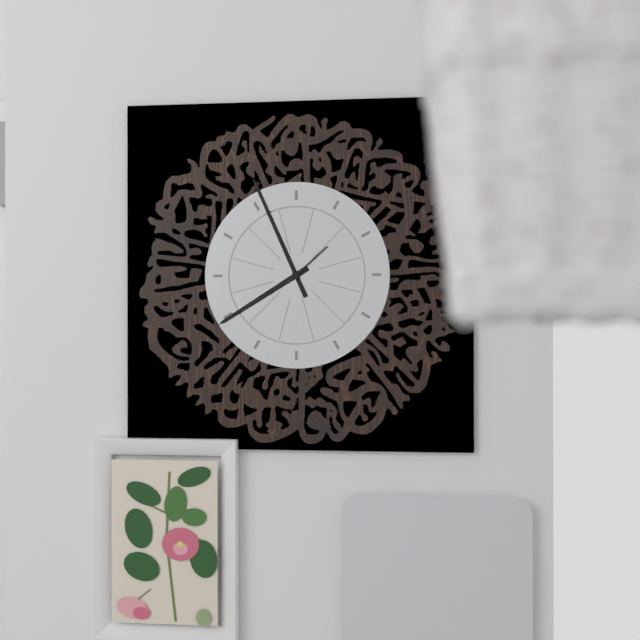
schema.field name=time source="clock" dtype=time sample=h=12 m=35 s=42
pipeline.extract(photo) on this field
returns h=7 m=56 s=8
